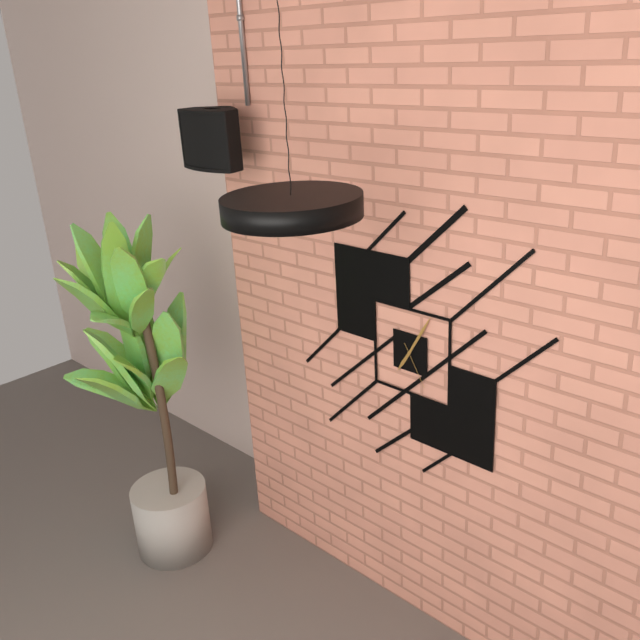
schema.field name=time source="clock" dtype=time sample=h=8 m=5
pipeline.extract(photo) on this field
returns h=7 m=5
